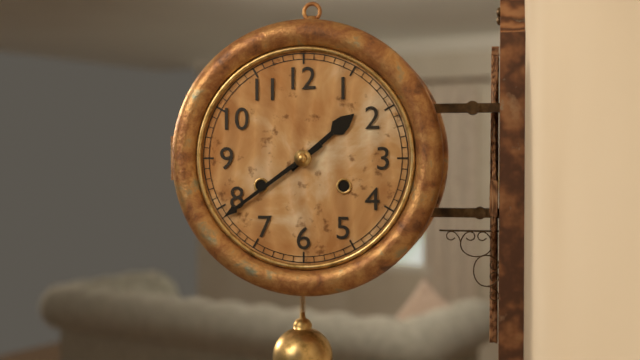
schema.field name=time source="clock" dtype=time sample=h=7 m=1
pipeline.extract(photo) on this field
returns h=1 m=39
